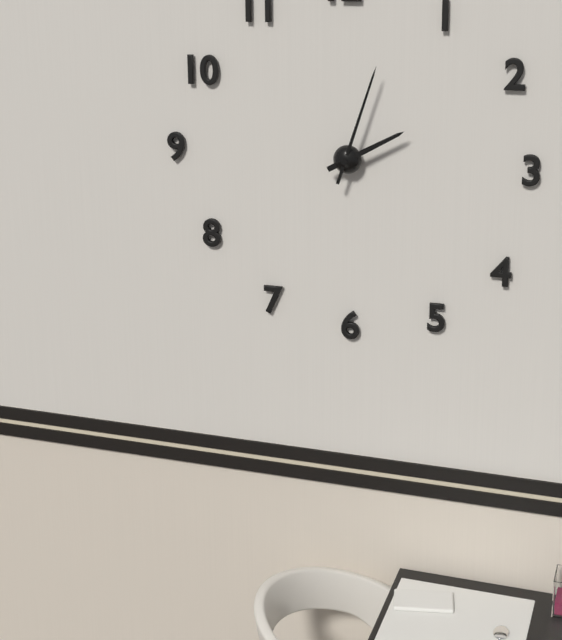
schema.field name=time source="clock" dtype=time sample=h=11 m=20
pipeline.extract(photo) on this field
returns h=2 m=3
